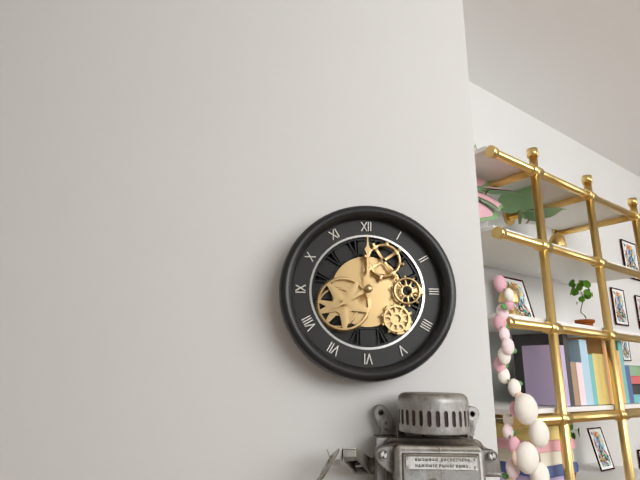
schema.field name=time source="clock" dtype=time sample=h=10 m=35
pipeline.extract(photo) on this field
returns h=8 m=0
